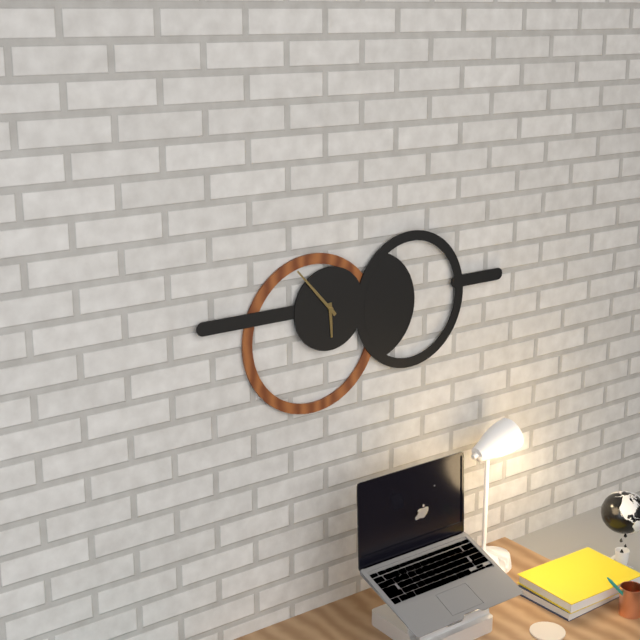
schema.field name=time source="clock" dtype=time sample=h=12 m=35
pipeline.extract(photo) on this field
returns h=5 m=53
